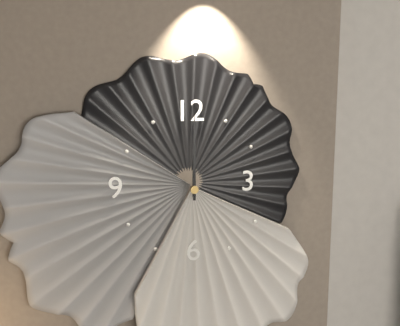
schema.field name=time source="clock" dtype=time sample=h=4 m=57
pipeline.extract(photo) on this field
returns h=12 m=0
